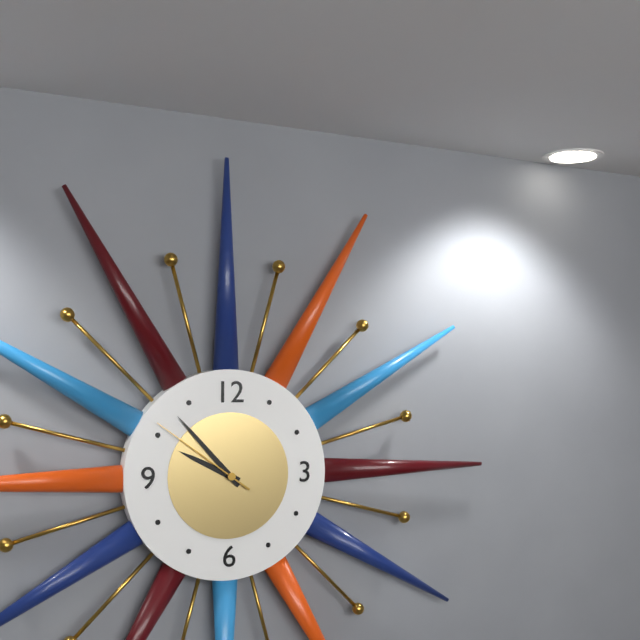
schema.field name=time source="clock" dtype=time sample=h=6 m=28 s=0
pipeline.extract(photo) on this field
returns h=9 m=53 s=51
